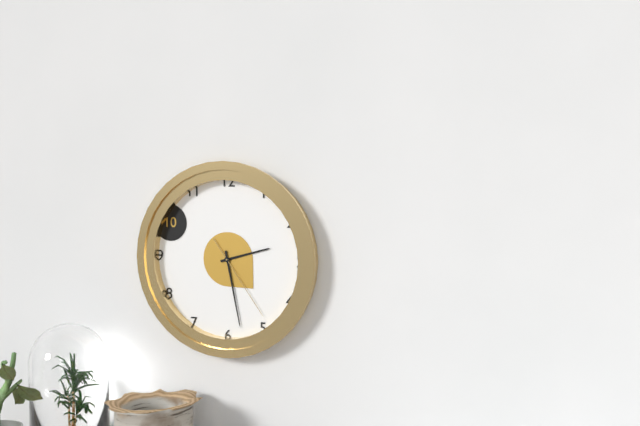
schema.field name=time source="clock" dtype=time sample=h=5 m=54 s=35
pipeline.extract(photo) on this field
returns h=2 m=28 s=24
